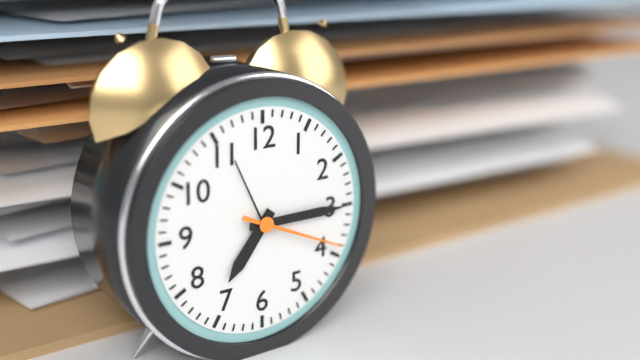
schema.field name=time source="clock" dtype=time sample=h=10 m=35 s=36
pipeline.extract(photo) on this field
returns h=7 m=15 s=19
